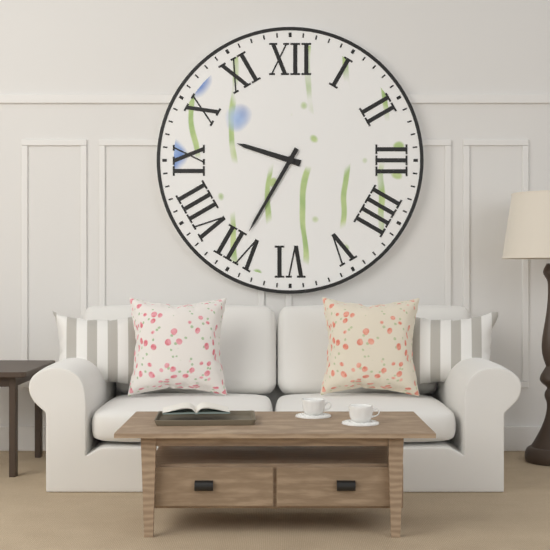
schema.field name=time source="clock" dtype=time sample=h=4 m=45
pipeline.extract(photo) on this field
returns h=9 m=35
